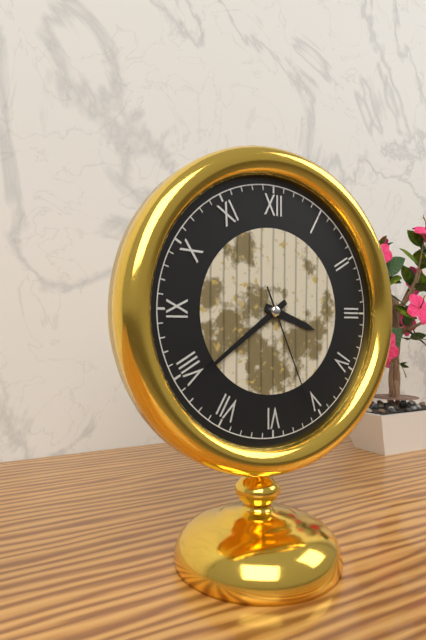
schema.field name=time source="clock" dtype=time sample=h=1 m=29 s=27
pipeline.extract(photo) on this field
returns h=3 m=39 s=26
